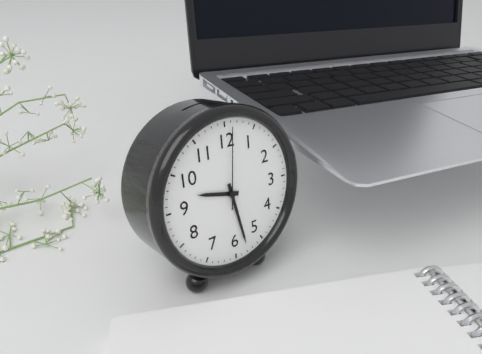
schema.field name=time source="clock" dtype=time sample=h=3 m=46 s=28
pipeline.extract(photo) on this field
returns h=9 m=28 s=1
